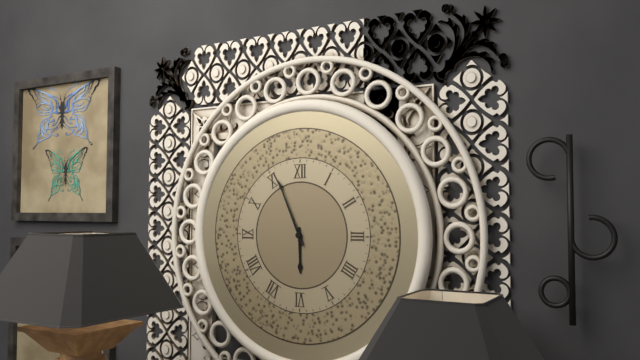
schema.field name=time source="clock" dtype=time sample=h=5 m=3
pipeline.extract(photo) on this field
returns h=5 m=56
